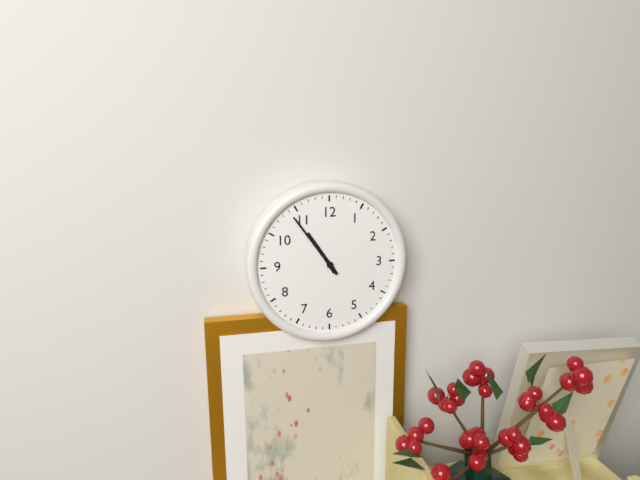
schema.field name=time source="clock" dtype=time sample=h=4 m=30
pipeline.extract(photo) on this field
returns h=10 m=54
